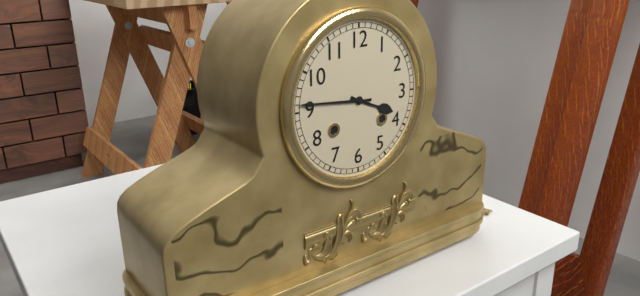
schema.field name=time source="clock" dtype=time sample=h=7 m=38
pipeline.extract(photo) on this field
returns h=3 m=46
